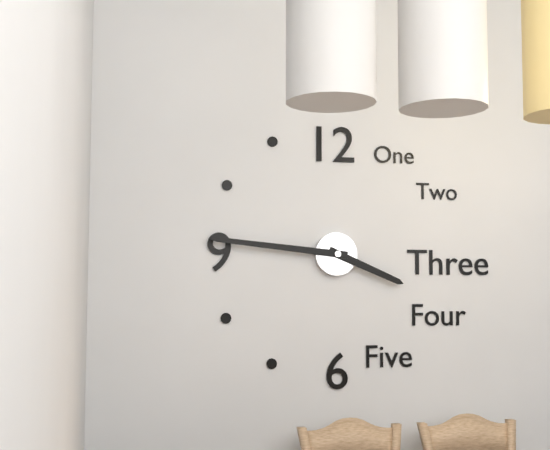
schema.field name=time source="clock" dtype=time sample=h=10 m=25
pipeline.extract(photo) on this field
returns h=3 m=46
